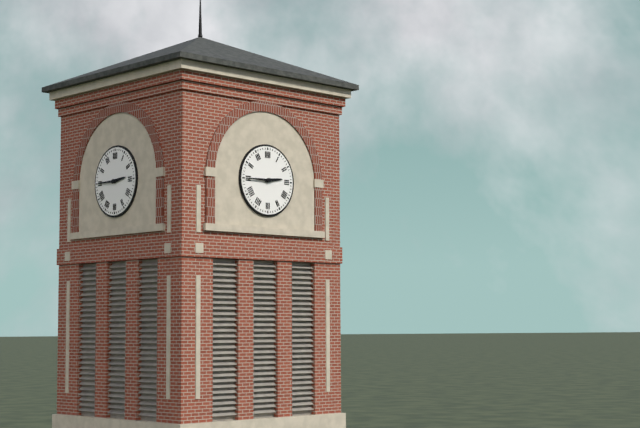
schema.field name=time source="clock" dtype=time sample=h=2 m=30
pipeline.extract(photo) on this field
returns h=2 m=45
